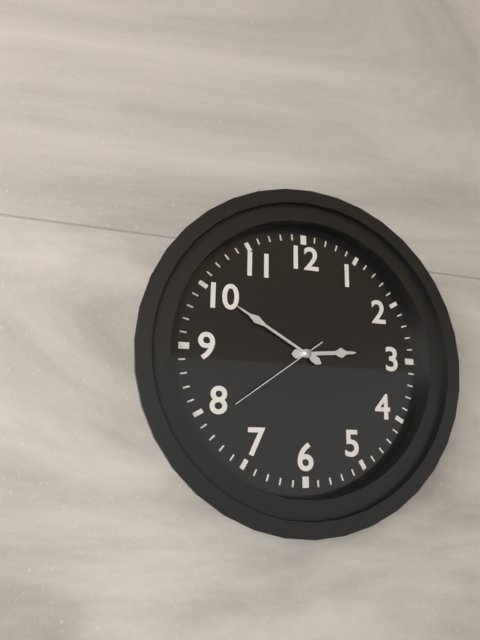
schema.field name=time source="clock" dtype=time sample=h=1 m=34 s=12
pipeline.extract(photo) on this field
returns h=2 m=50 s=39
